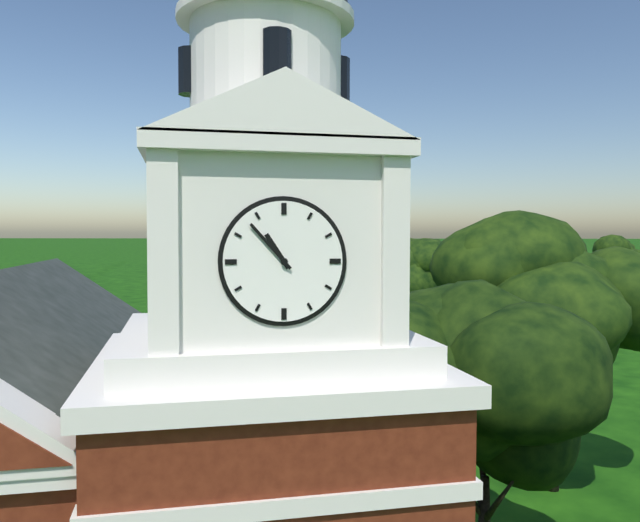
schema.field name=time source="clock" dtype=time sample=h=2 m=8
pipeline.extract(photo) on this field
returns h=10 m=53
